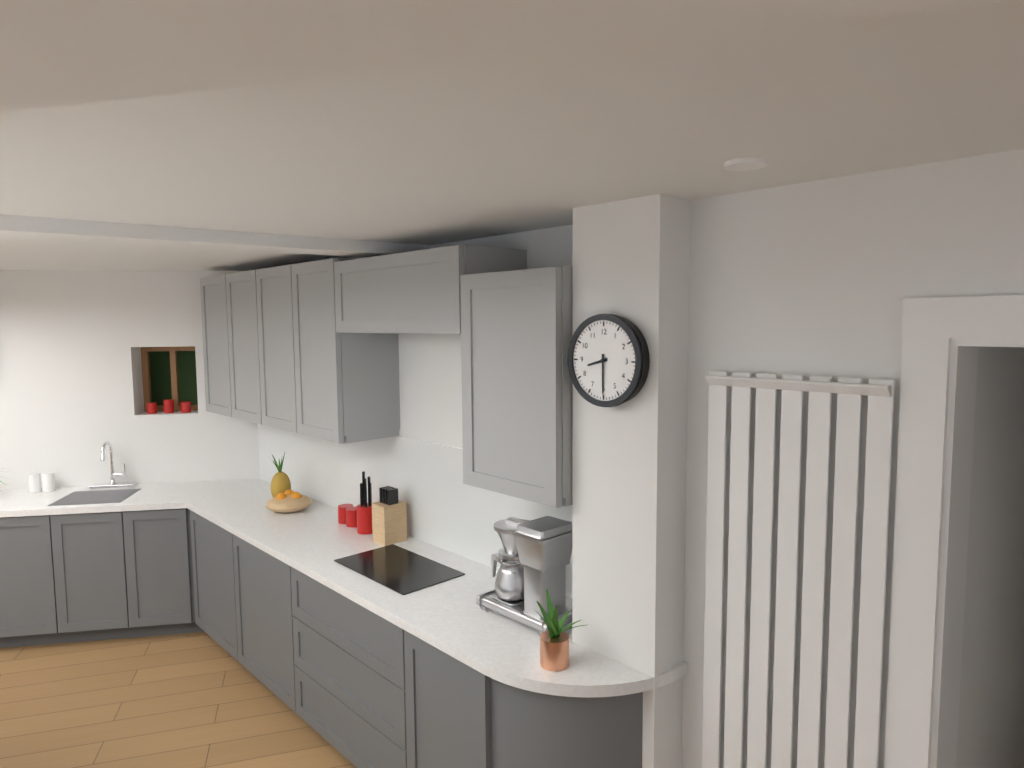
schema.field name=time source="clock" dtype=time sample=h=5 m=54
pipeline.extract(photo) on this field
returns h=8 m=30
